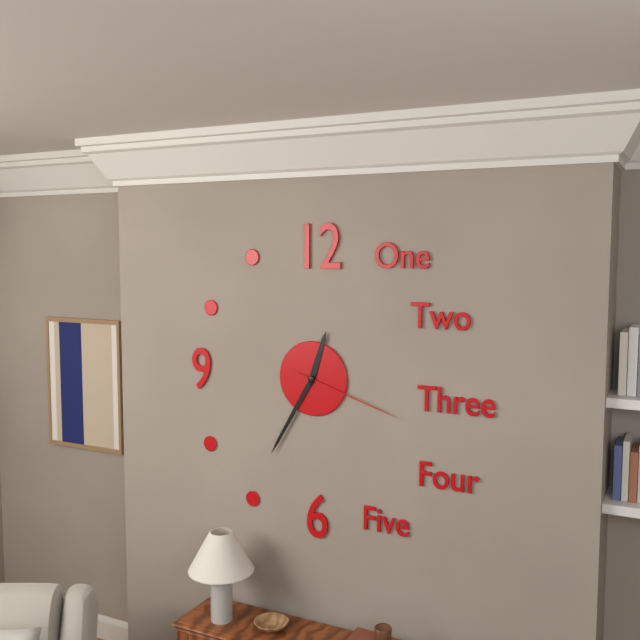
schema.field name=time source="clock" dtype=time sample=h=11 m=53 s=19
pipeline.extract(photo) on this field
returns h=12 m=35 s=18
